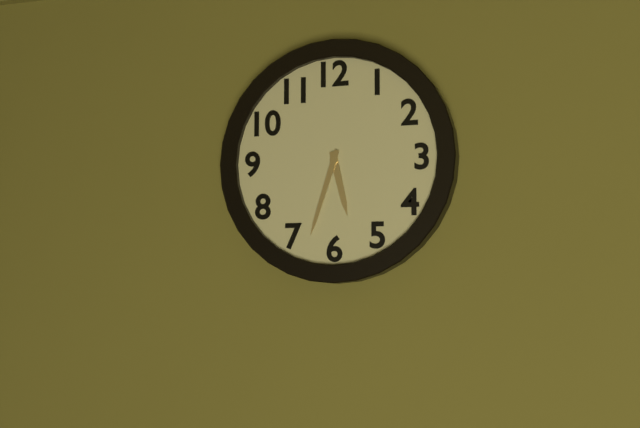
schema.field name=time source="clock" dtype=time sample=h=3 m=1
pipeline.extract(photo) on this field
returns h=5 m=33
